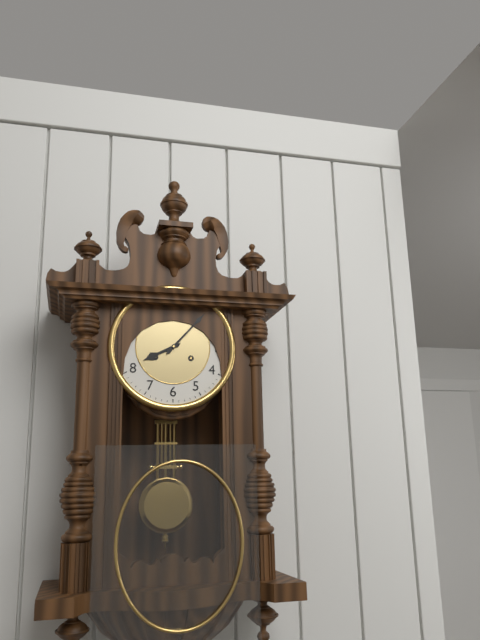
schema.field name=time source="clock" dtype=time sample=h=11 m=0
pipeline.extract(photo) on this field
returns h=8 m=7
